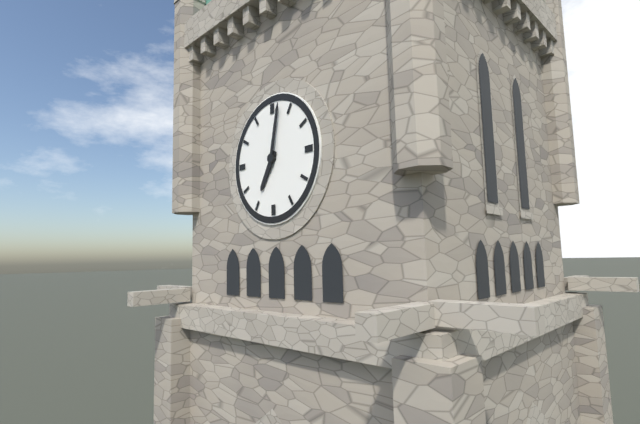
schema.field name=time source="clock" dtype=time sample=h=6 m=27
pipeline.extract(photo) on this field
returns h=7 m=2
